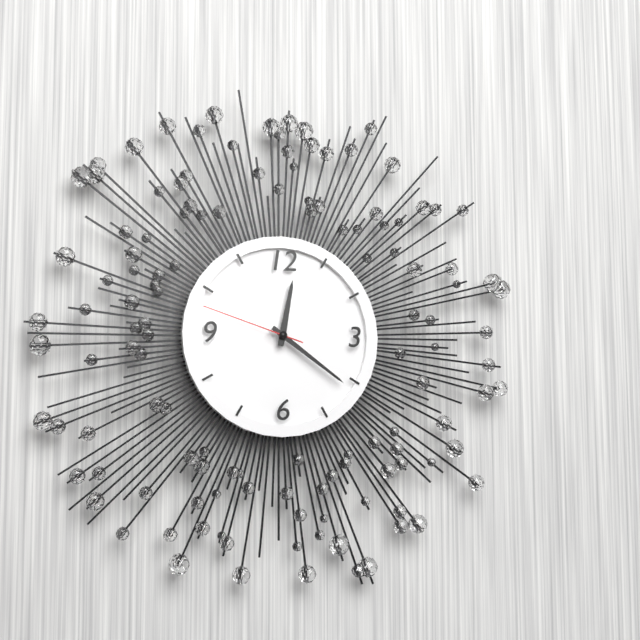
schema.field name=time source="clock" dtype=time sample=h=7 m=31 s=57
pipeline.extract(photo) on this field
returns h=12 m=21 s=48
